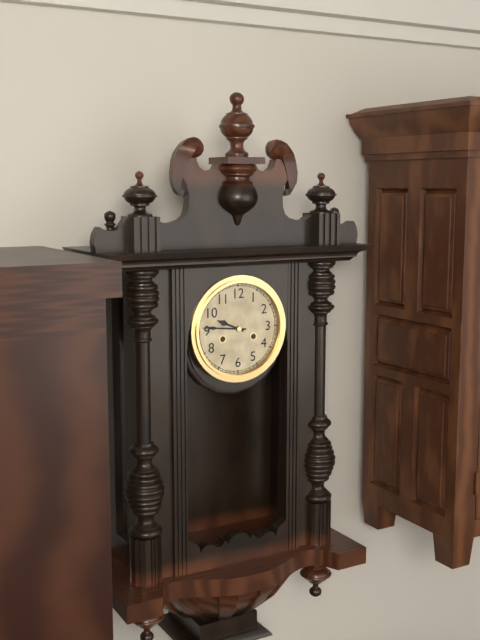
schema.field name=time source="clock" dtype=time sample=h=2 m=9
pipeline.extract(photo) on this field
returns h=9 m=46
